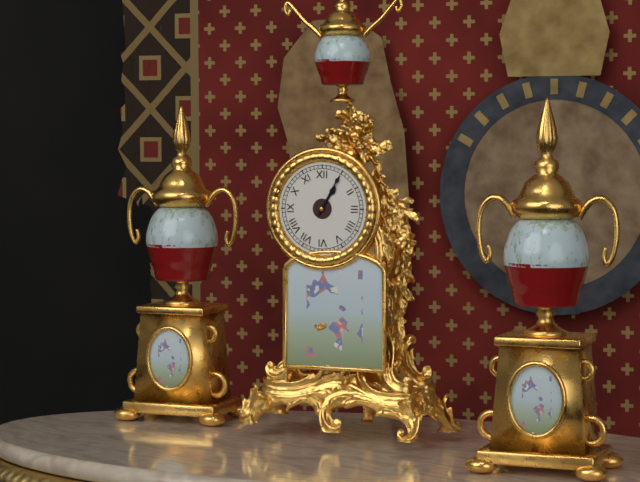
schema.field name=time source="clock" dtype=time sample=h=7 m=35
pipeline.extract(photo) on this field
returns h=1 m=5
